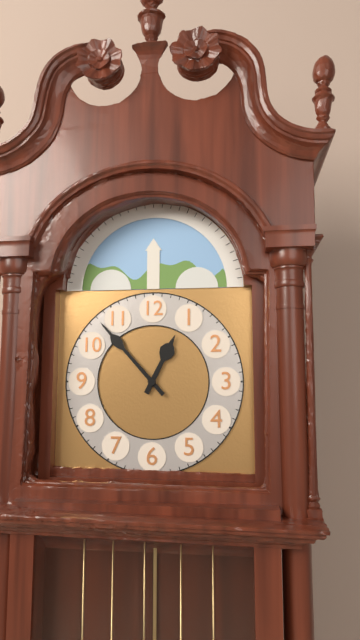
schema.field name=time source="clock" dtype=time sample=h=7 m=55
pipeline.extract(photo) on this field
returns h=12 m=53
